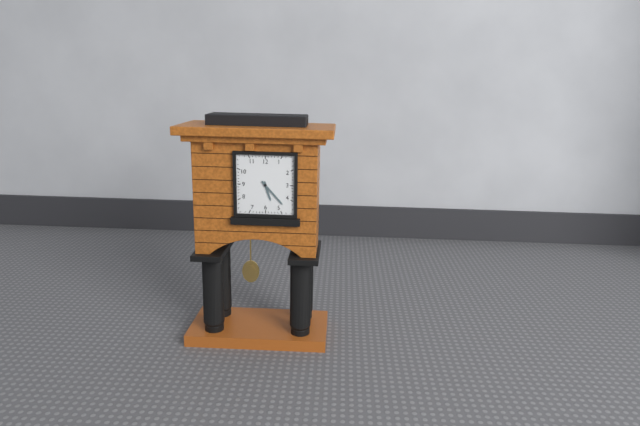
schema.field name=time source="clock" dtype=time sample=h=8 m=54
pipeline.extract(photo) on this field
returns h=5 m=23
